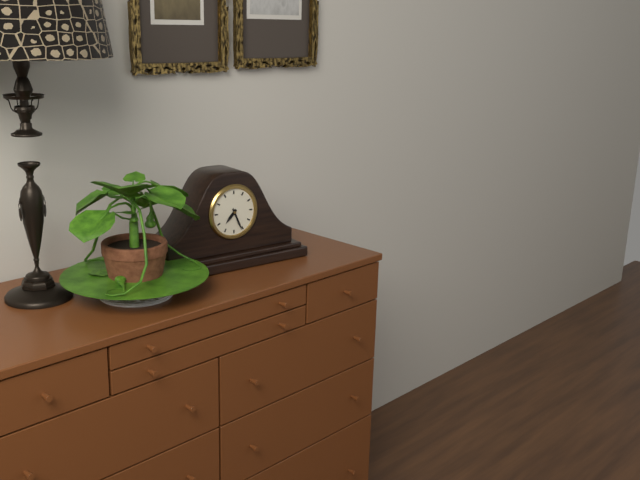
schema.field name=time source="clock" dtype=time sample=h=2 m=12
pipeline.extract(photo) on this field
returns h=7 m=26
